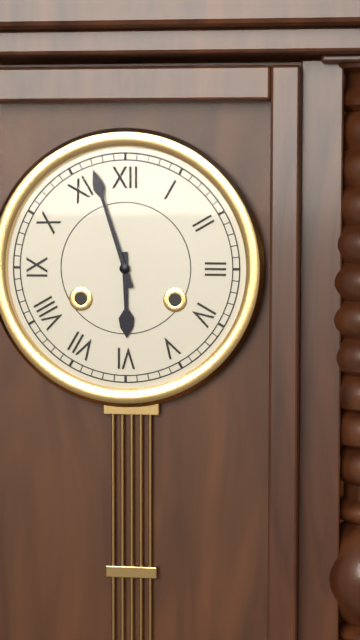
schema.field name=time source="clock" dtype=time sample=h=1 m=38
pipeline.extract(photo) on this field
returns h=5 m=57
